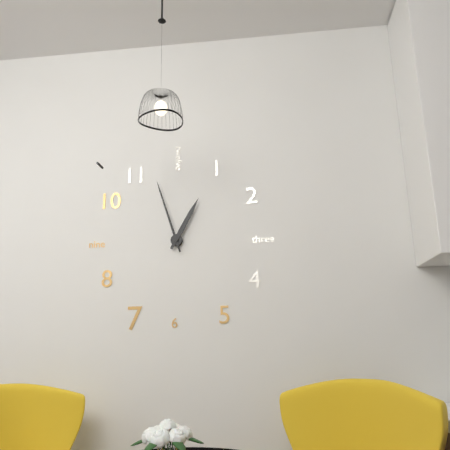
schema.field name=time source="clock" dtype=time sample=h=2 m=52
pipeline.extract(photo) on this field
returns h=12 m=57
